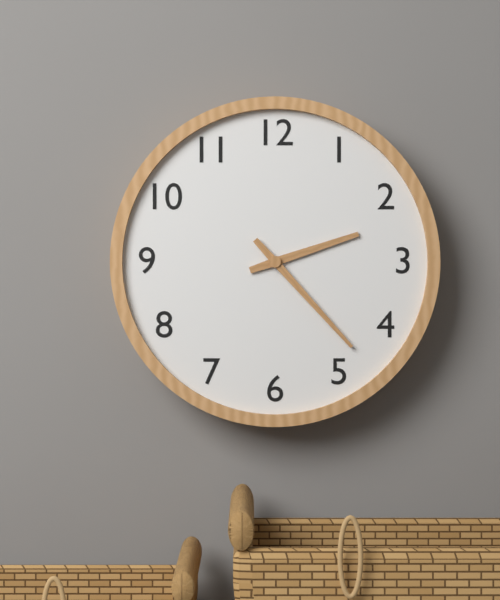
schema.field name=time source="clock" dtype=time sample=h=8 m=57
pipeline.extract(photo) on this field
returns h=2 m=23
